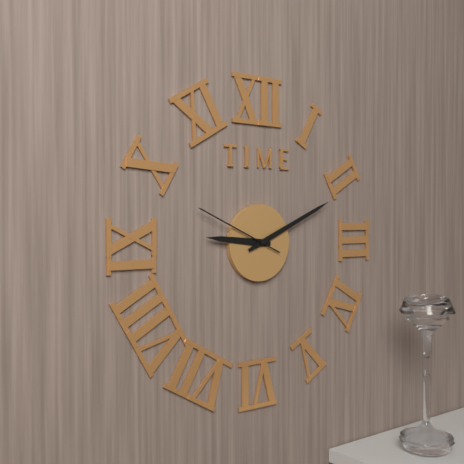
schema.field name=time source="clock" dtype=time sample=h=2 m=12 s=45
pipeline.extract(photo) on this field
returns h=9 m=11 s=49
